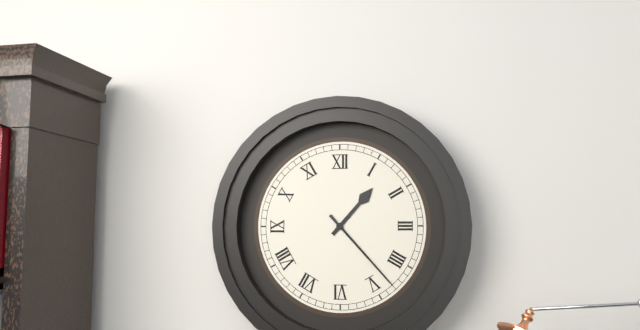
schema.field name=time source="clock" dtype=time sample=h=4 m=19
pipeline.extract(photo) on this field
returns h=1 m=23
